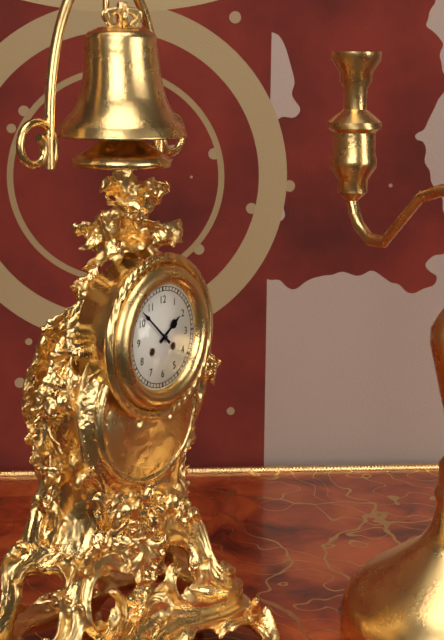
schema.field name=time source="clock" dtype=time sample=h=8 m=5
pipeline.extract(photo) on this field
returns h=1 m=52
